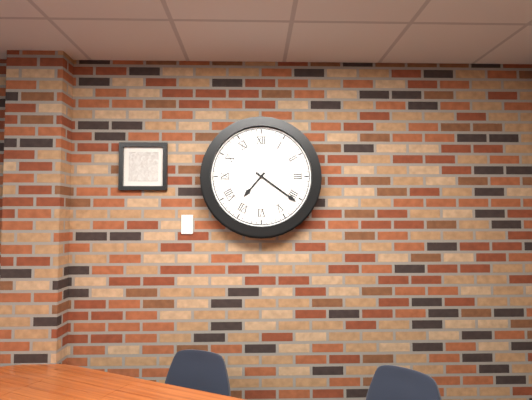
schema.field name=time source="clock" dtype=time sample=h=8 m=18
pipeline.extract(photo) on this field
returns h=7 m=21
